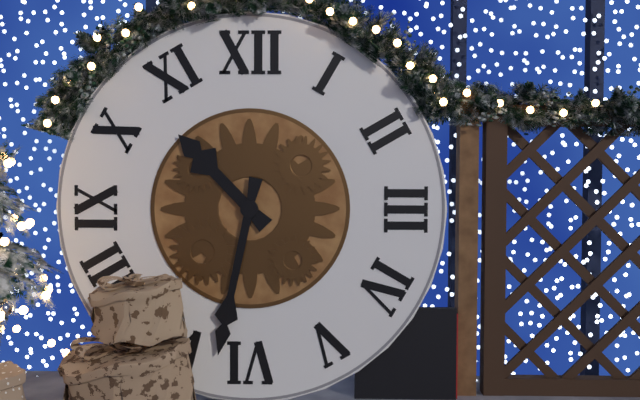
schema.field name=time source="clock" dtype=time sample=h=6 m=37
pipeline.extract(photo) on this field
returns h=10 m=32
